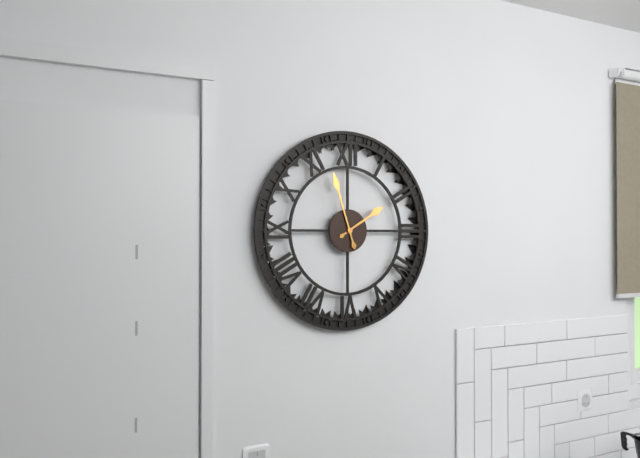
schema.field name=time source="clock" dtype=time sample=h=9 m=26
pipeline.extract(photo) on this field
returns h=1 m=57
